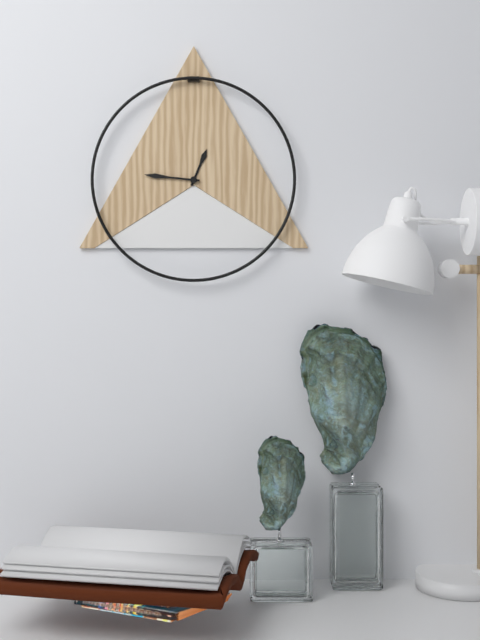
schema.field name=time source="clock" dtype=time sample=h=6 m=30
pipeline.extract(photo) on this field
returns h=12 m=46
